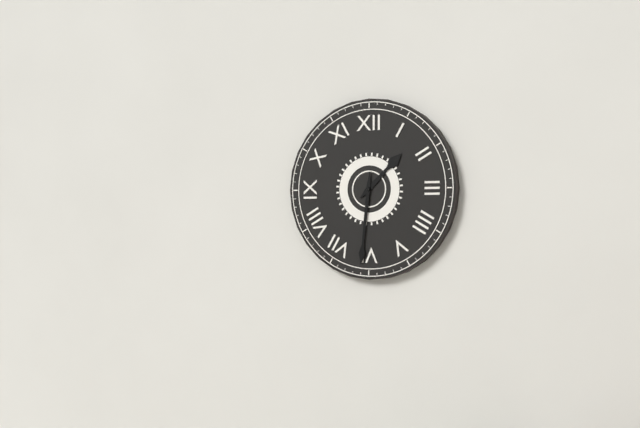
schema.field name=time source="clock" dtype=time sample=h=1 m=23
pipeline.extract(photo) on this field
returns h=1 m=31
